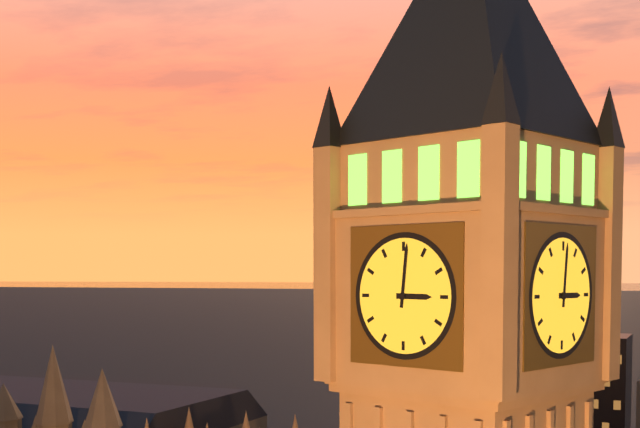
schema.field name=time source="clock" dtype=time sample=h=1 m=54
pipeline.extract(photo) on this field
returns h=3 m=1
